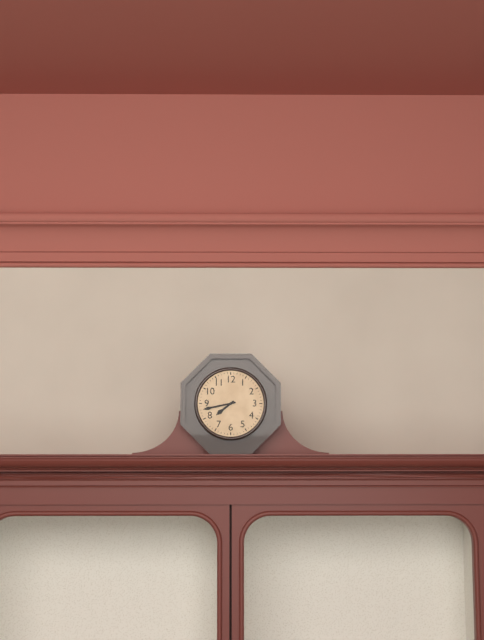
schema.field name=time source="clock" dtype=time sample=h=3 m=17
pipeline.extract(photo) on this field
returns h=7 m=43
